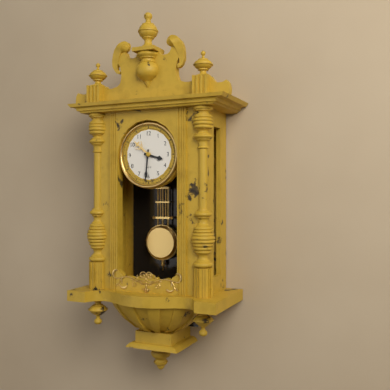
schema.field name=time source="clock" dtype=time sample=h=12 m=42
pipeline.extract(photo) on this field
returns h=3 m=31
